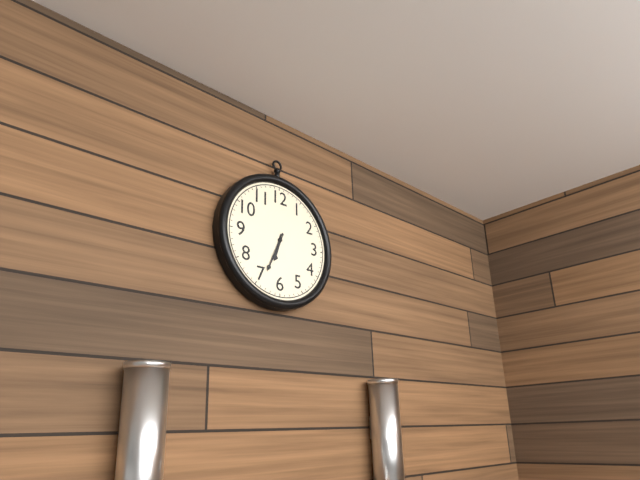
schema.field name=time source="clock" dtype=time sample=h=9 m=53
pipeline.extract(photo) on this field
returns h=6 m=34
